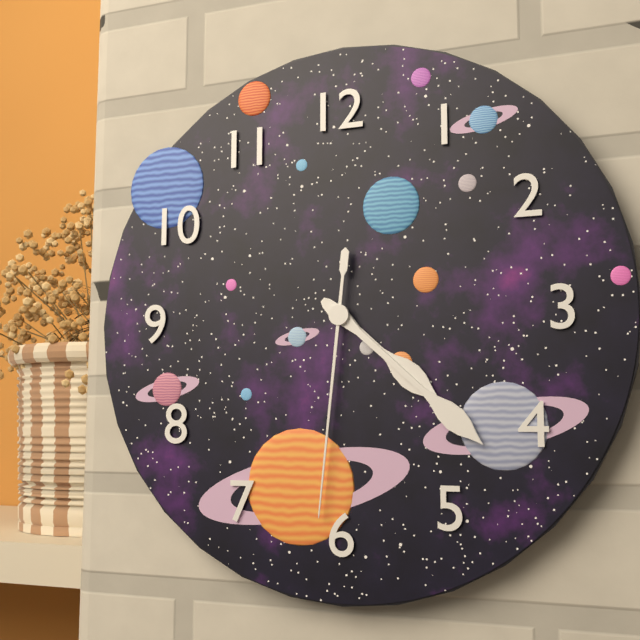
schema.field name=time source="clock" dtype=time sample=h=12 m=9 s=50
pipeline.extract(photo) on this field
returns h=4 m=22 s=31
